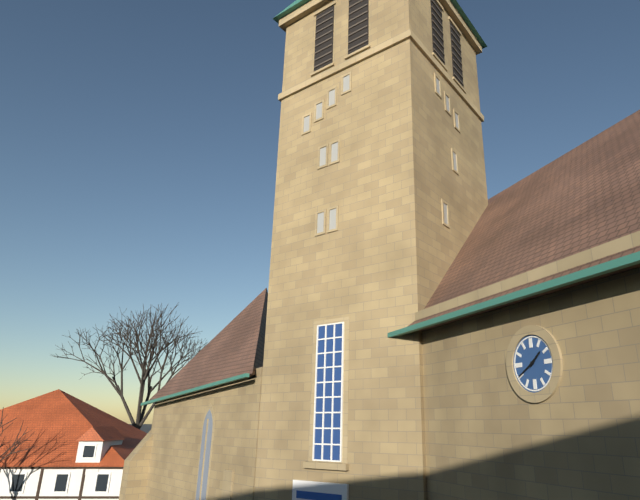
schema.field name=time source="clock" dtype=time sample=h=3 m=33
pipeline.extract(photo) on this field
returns h=1 m=40
